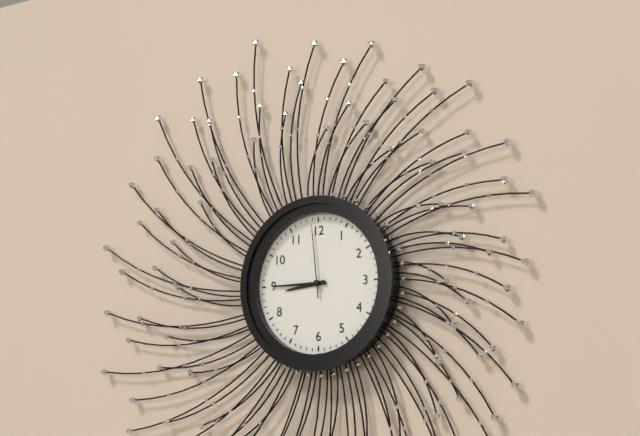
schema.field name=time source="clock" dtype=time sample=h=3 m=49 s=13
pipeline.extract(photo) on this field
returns h=8 m=45 s=59
